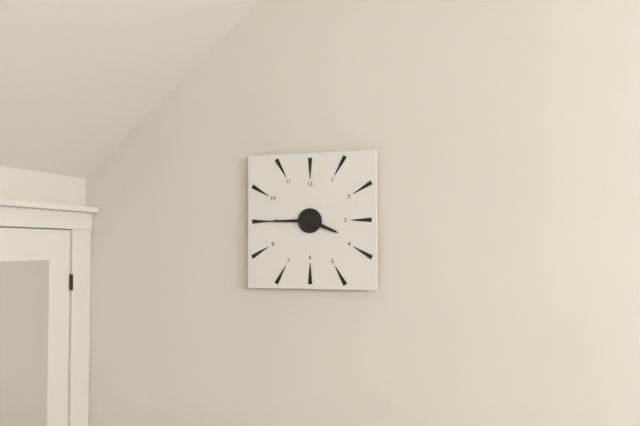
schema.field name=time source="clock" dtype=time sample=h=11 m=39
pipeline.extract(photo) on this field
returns h=3 m=45
